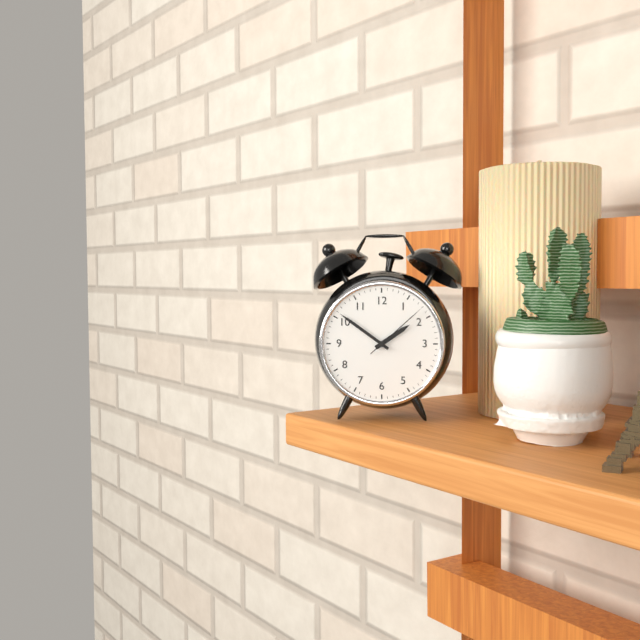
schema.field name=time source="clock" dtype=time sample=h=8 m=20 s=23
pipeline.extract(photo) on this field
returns h=1 m=51 s=8
